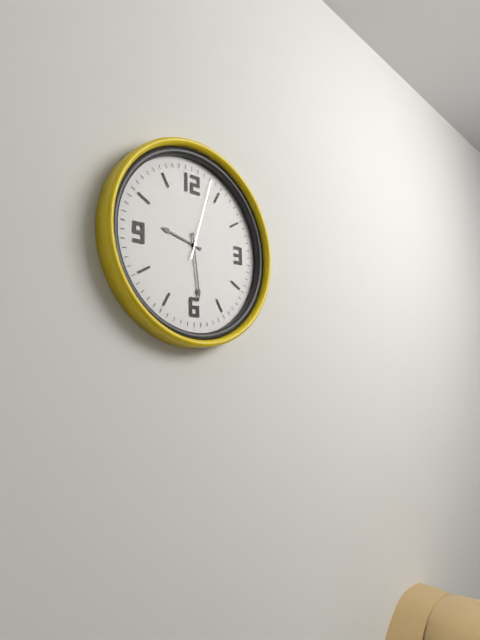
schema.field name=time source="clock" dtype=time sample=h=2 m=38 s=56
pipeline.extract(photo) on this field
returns h=9 m=29 s=3
